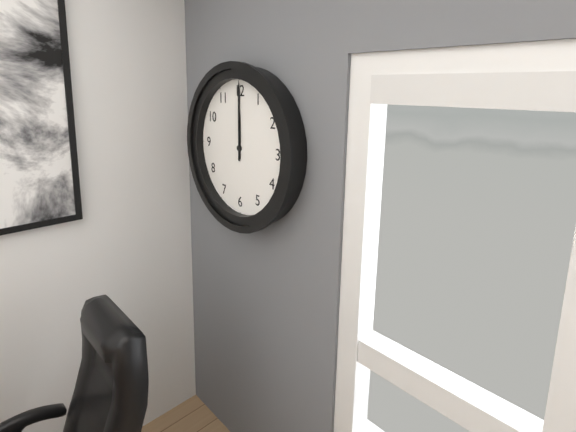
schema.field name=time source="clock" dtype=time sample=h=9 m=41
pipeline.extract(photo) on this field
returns h=12 m=0
